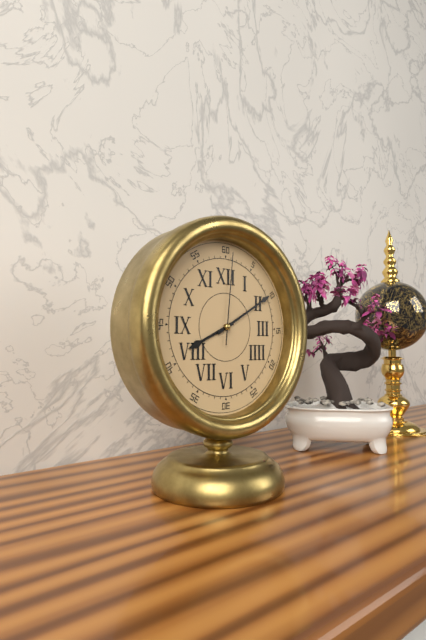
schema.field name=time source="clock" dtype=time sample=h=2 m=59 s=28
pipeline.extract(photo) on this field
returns h=8 m=10 s=1
